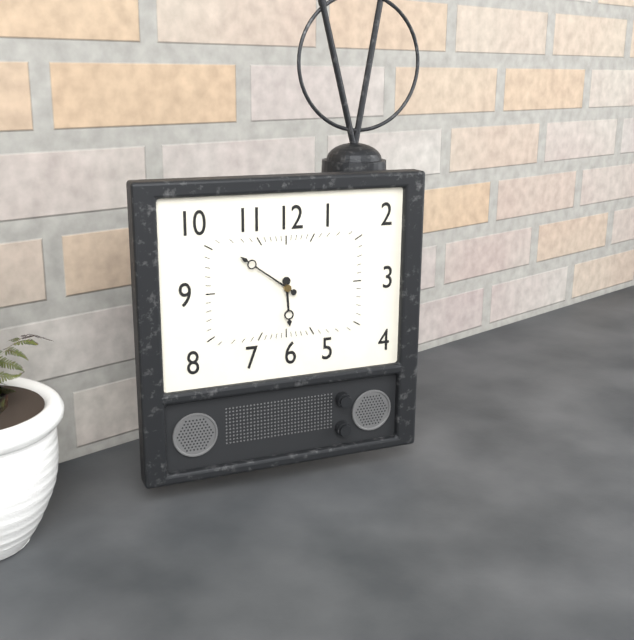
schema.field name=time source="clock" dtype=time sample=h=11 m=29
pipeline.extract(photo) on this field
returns h=5 m=51
